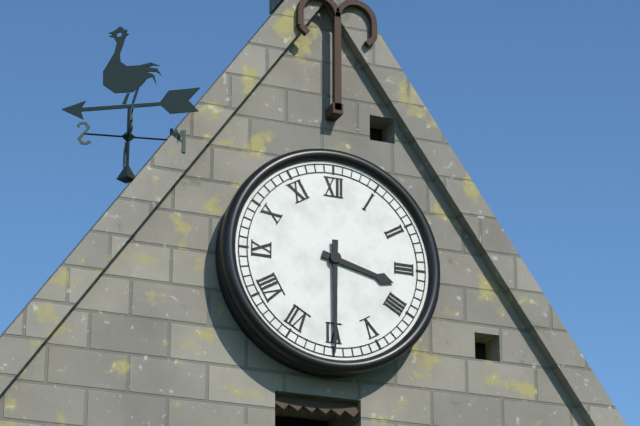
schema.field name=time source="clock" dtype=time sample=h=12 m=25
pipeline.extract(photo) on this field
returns h=3 m=30
